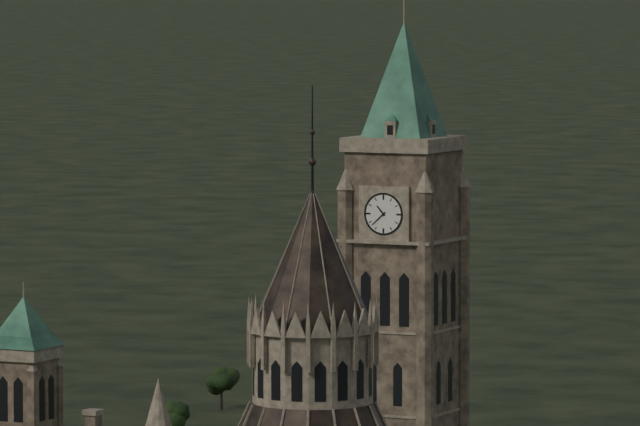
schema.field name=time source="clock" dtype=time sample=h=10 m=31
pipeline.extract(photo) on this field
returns h=10 m=38
